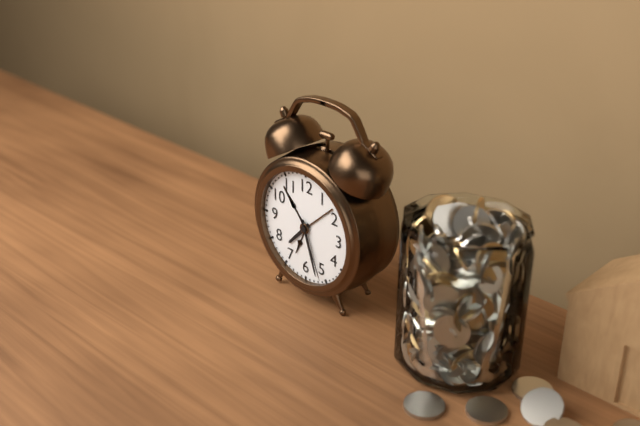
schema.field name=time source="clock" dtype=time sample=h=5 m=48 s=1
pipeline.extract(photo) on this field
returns h=7 m=27 s=26
